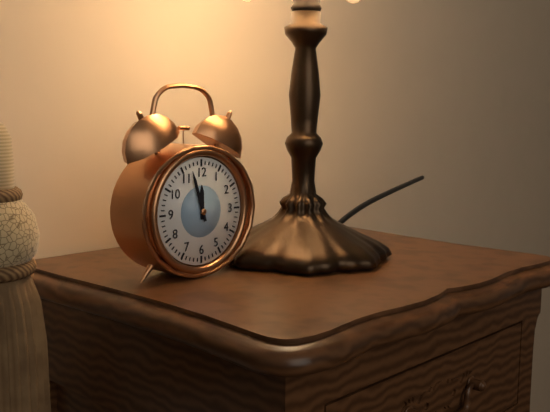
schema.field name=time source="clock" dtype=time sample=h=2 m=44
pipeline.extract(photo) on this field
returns h=11 m=57
